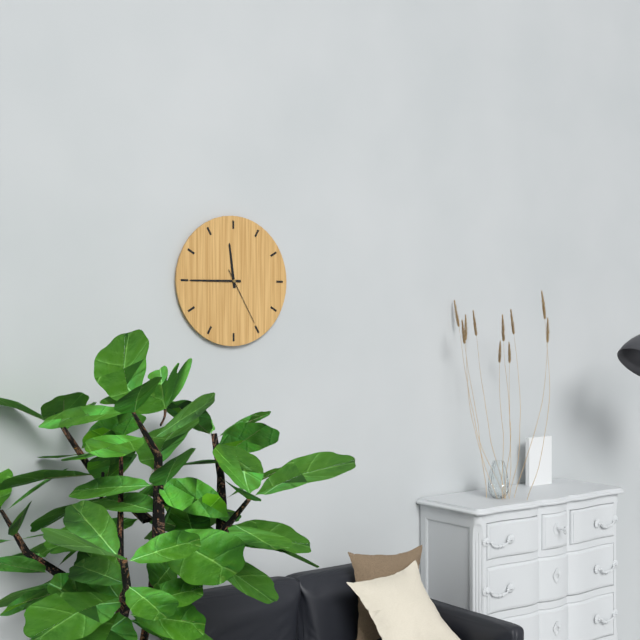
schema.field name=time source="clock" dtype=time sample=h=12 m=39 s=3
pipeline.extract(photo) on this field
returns h=11 m=45 s=25
